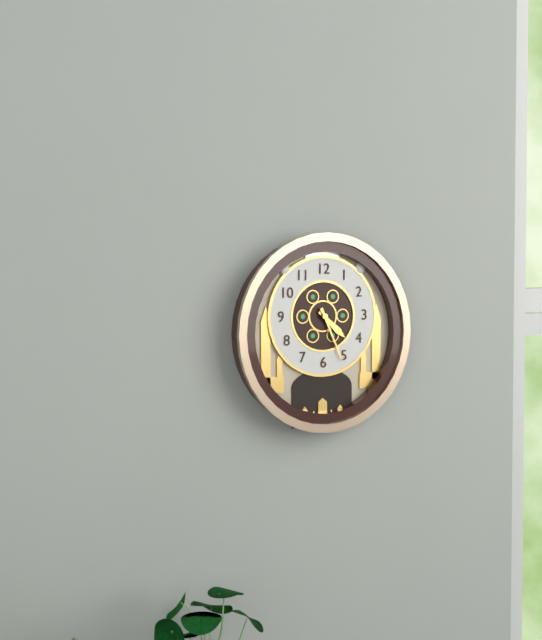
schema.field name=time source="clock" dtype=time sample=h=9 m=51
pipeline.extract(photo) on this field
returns h=4 m=26
